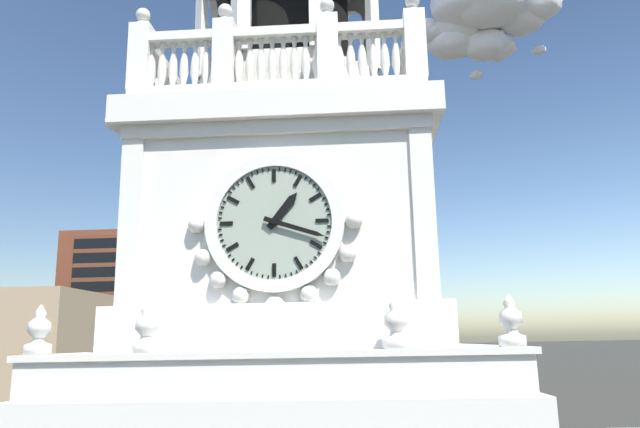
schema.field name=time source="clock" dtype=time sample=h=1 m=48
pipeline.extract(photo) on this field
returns h=1 m=18
